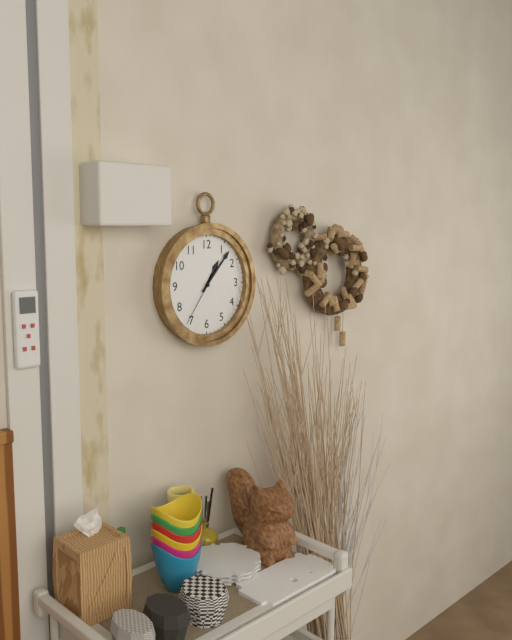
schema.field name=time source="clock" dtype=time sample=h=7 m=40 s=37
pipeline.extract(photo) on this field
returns h=1 m=7 s=36
